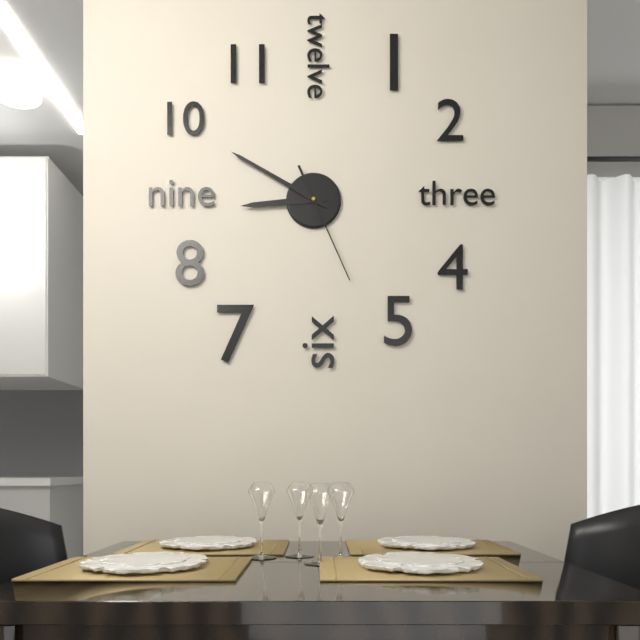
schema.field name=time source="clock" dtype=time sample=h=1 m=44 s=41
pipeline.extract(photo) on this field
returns h=8 m=50 s=26
